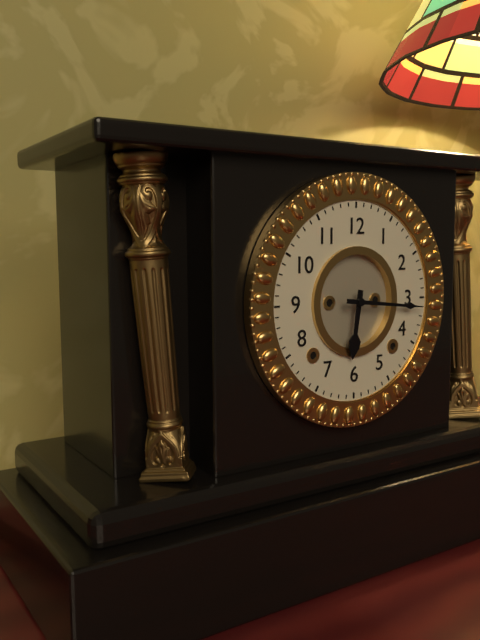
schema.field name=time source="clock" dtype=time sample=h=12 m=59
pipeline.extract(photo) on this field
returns h=6 m=16
